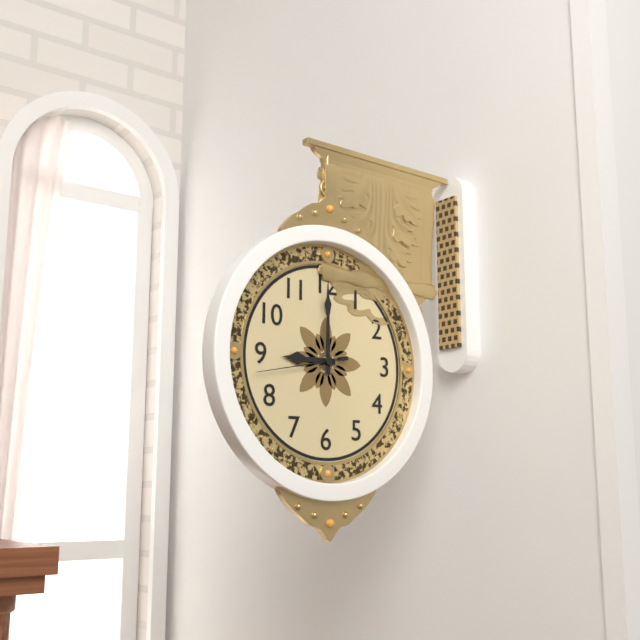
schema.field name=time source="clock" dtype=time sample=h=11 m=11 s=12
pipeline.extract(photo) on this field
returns h=9 m=0 s=43
